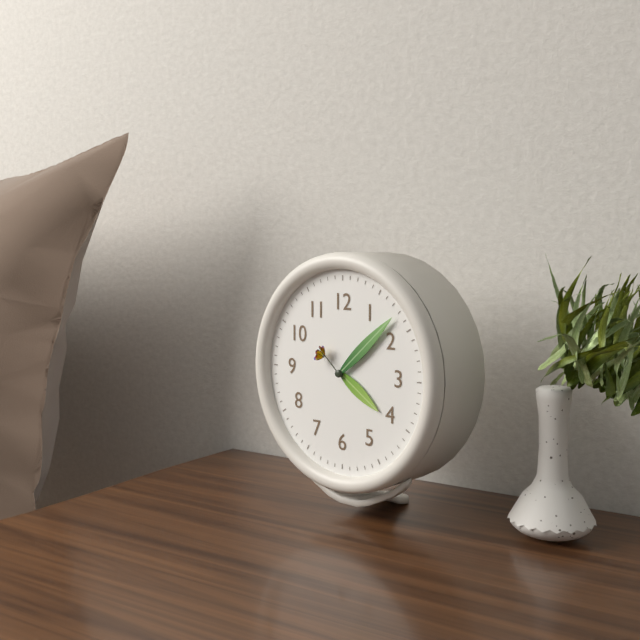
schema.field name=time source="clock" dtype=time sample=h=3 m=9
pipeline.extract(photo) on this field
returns h=4 m=8
